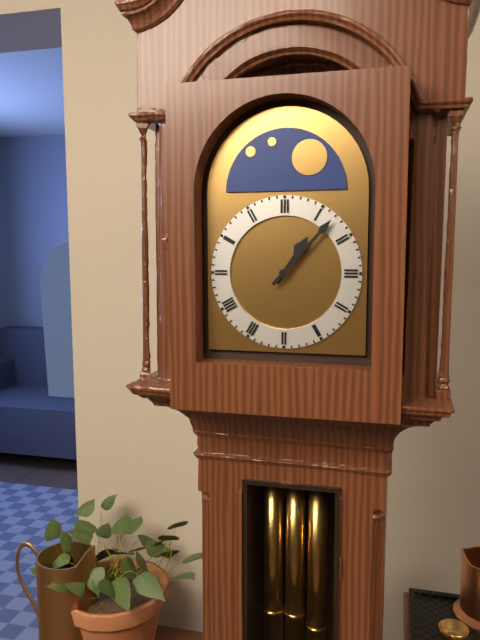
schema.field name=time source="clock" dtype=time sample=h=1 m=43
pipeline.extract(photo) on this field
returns h=1 m=7
